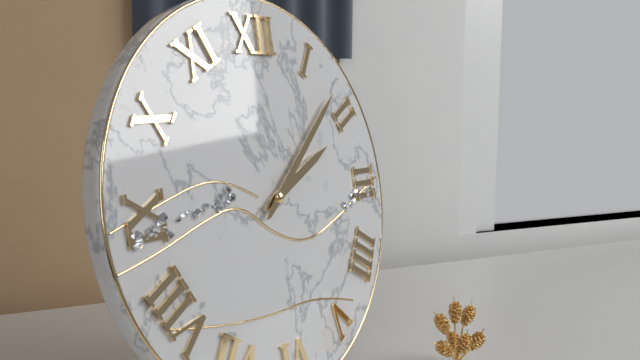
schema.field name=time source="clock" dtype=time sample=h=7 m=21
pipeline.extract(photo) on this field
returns h=2 m=8
